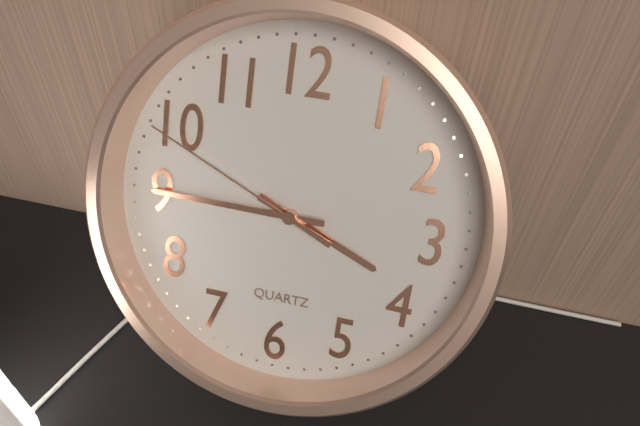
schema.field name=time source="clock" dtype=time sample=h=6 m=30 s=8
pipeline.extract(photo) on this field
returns h=3 m=45 s=49
